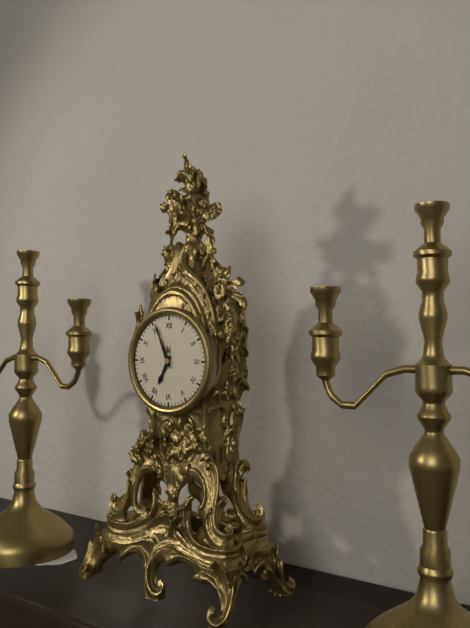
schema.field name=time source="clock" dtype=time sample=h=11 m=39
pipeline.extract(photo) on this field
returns h=6 m=56
